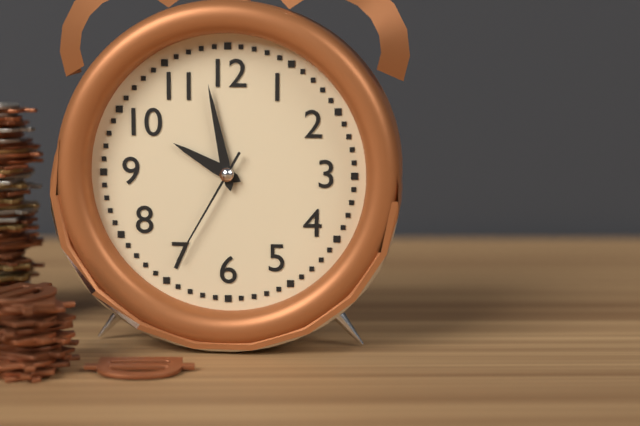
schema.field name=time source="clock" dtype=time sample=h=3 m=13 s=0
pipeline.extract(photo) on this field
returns h=9 m=58 s=35
